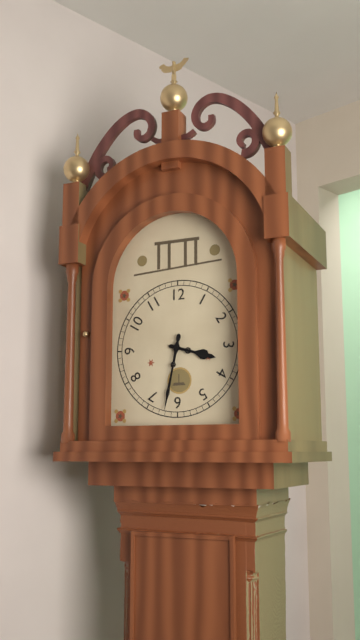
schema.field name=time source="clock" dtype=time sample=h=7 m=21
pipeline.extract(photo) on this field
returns h=3 m=32
